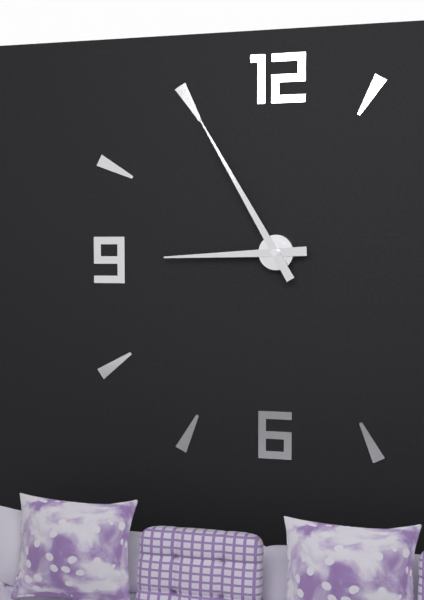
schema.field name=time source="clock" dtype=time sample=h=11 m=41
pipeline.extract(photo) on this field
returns h=8 m=55
